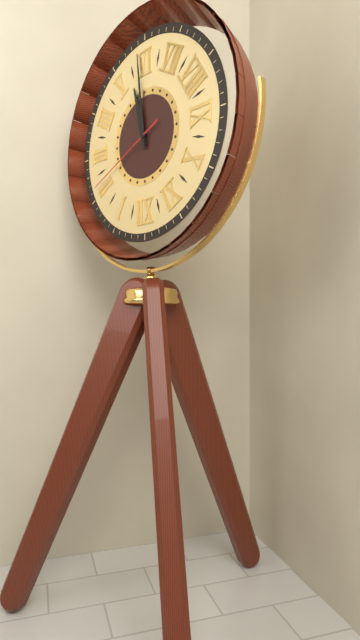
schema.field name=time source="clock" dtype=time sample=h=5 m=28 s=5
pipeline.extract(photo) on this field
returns h=5 m=29 s=11
